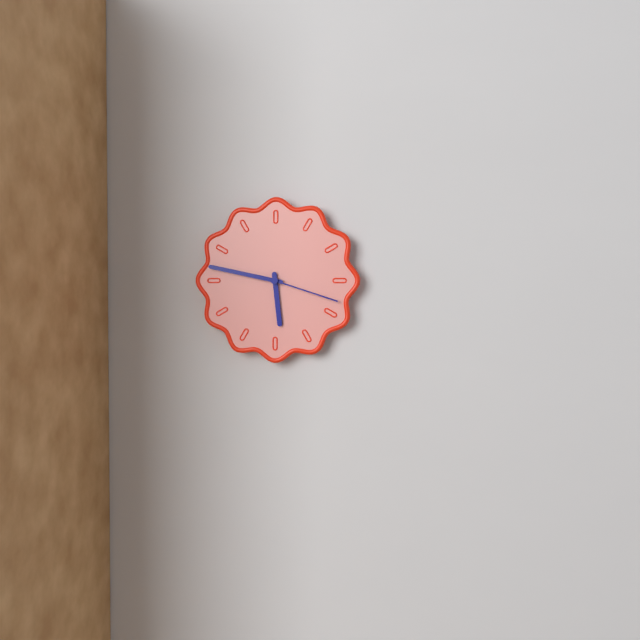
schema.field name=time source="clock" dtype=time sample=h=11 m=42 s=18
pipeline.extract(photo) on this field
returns h=5 m=47 s=18
